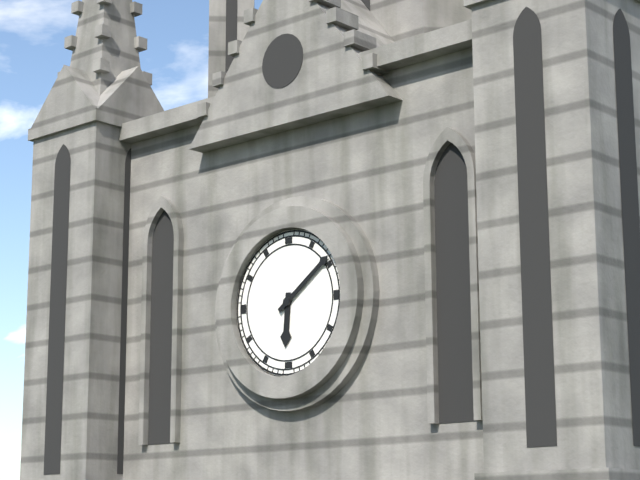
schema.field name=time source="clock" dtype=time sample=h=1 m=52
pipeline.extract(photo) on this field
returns h=6 m=9
